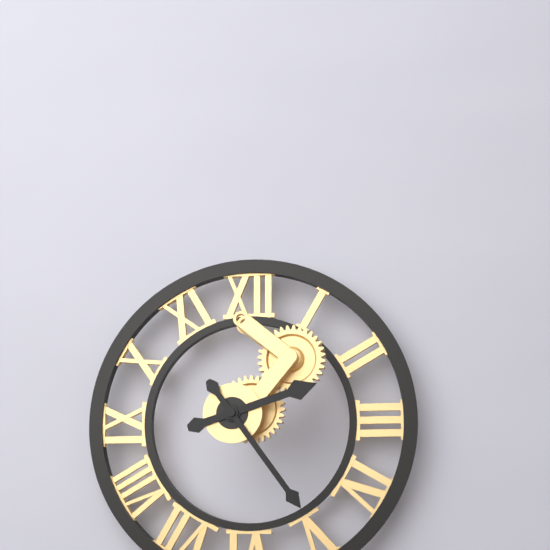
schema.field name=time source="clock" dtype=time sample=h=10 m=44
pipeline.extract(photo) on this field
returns h=2 m=24
